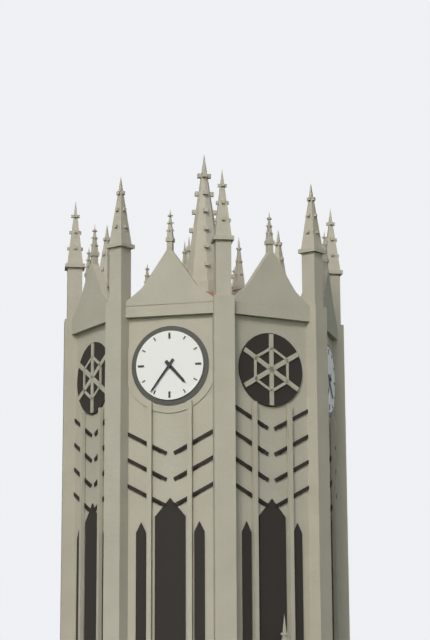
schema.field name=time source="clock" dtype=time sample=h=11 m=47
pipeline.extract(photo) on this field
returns h=4 m=36
